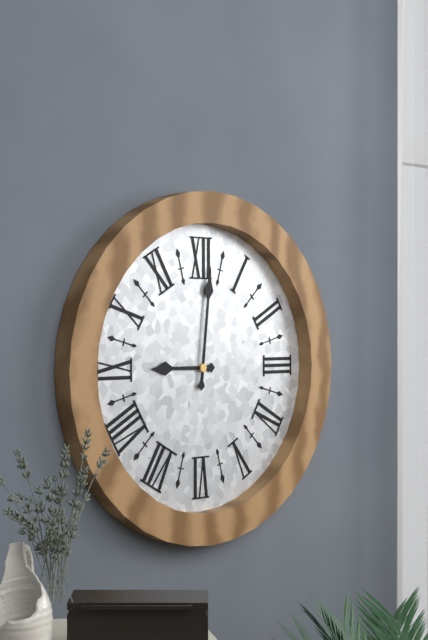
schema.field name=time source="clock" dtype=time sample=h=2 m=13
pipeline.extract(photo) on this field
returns h=9 m=1
